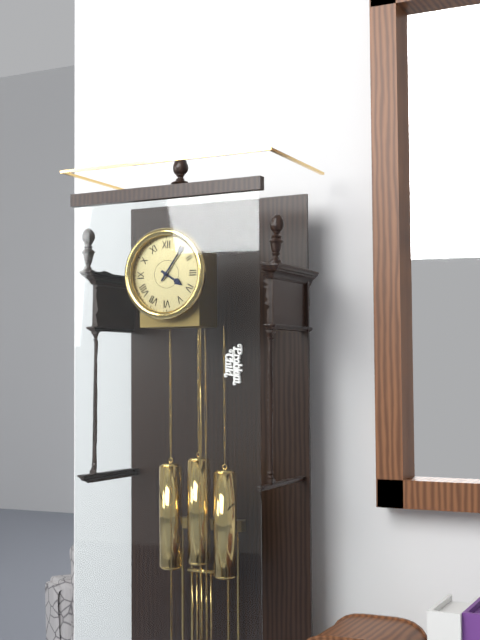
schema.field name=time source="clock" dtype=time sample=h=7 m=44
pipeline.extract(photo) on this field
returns h=4 m=6
